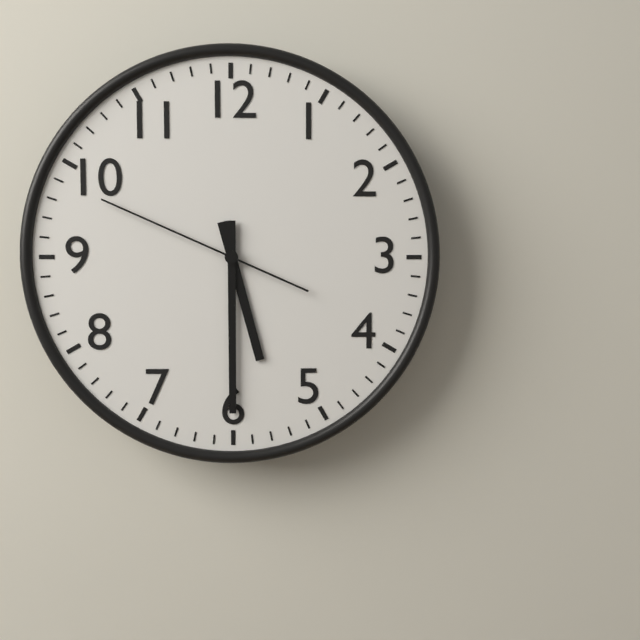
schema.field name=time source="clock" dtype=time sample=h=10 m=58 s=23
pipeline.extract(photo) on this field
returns h=5 m=30 s=49
